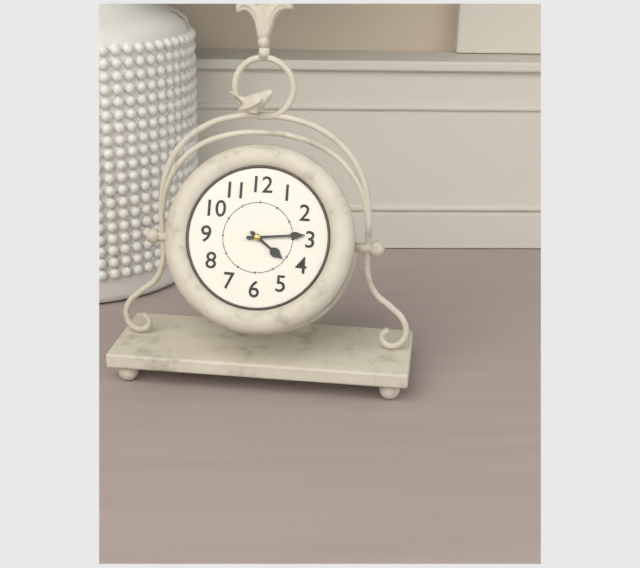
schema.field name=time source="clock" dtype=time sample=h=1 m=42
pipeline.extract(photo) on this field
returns h=4 m=14
